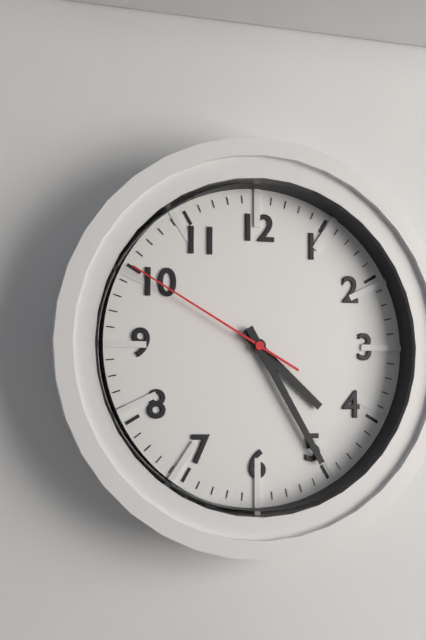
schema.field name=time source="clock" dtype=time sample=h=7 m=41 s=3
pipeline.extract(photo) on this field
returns h=4 m=25 s=50
